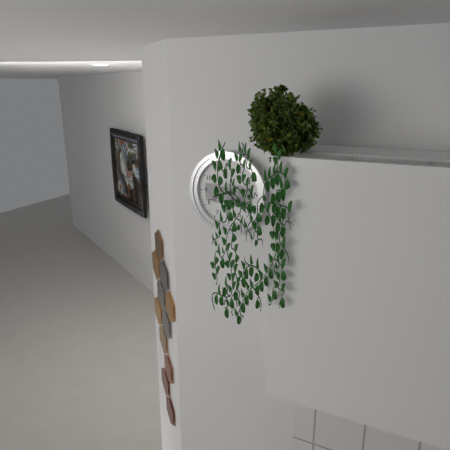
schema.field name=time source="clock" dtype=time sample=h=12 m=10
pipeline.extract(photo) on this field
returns h=8 m=22
